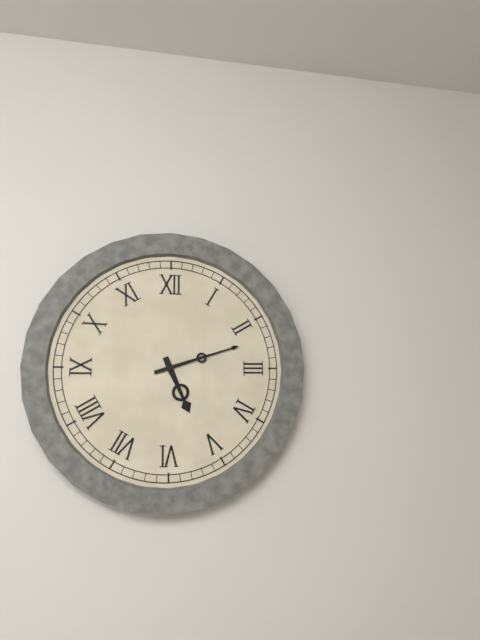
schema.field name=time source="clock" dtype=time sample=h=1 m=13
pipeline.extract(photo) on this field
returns h=5 m=12
